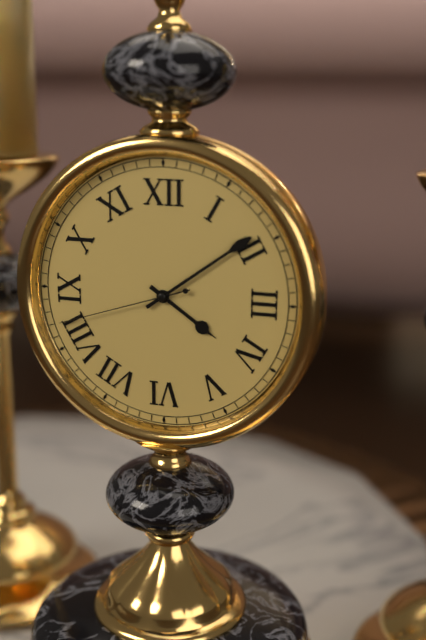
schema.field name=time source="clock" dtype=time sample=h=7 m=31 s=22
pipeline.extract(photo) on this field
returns h=4 m=9 s=42
